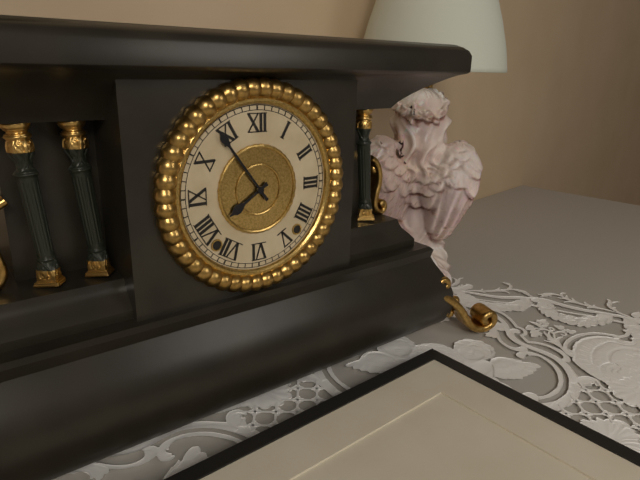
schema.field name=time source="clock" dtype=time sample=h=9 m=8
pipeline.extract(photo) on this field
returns h=7 m=54
